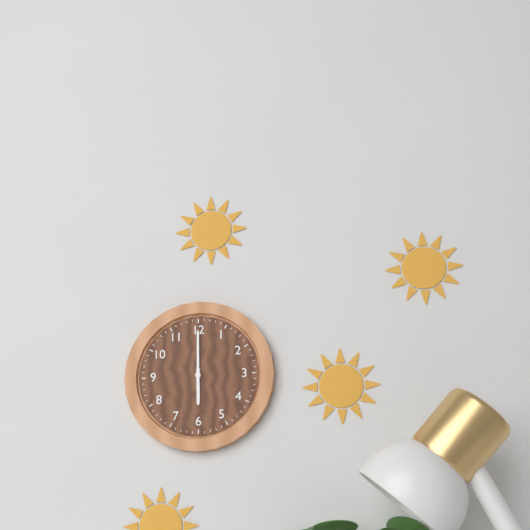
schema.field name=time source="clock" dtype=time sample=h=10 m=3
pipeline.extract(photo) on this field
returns h=6 m=0
